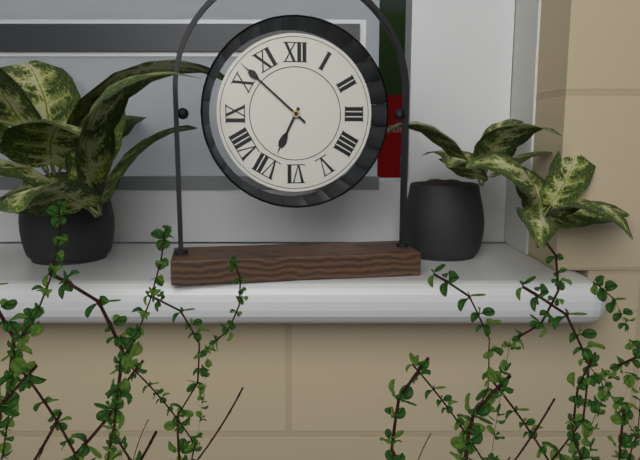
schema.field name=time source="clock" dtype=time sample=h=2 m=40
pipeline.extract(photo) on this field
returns h=6 m=52
